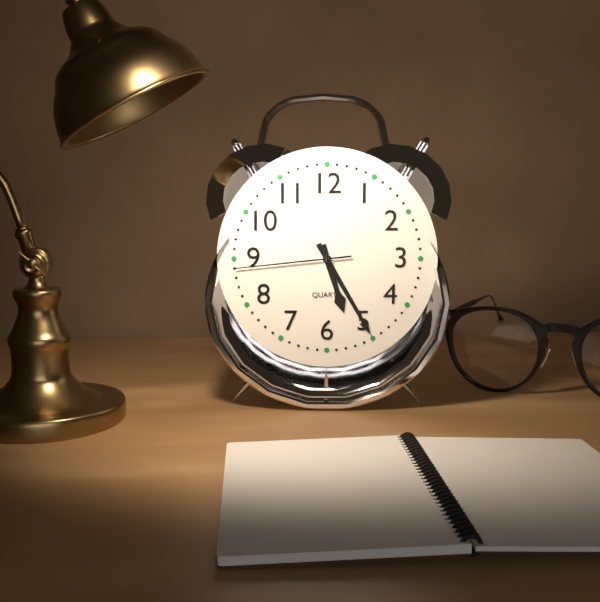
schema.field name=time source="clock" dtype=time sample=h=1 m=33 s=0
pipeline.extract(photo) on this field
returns h=5 m=25 s=44
